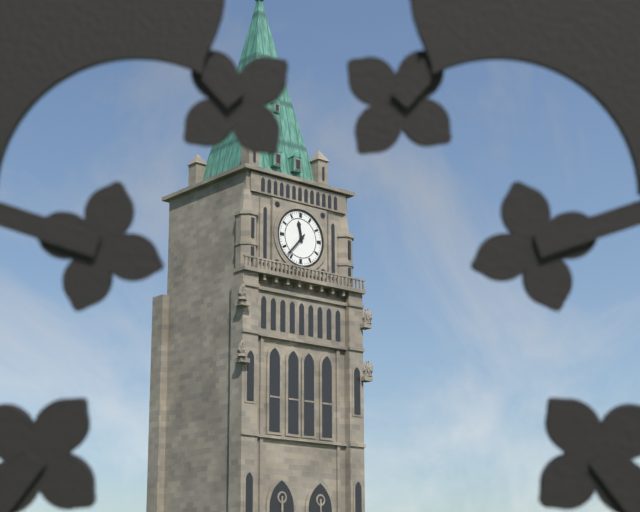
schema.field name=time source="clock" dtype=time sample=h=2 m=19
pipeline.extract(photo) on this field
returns h=11 m=37
